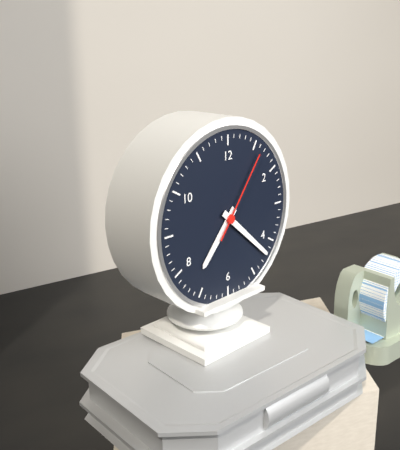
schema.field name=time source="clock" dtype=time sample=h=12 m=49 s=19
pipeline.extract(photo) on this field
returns h=7 m=22 s=6
